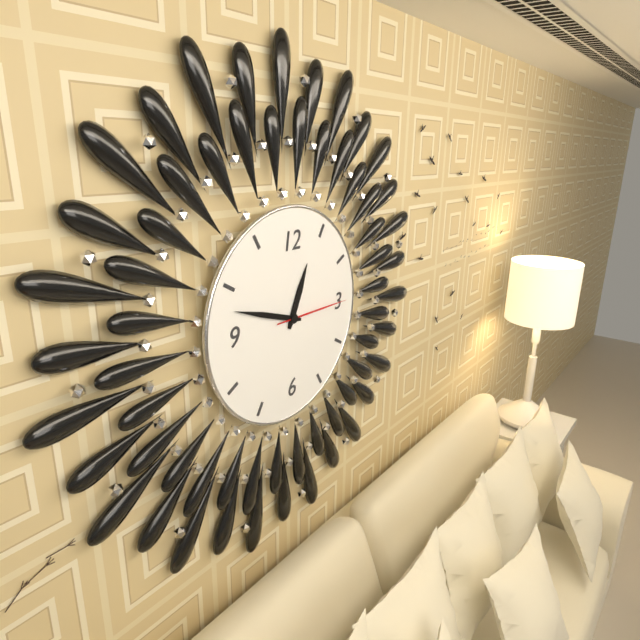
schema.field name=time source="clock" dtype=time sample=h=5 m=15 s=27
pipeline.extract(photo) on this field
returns h=12 m=48 s=15
